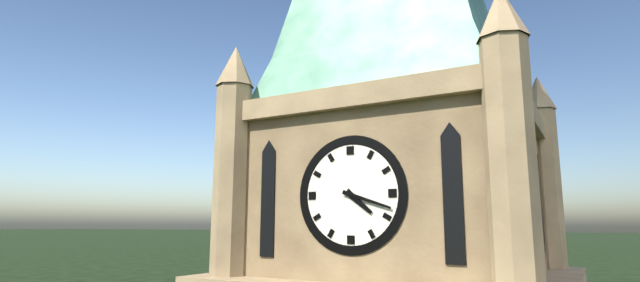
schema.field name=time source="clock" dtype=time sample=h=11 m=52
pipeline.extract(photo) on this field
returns h=4 m=18
